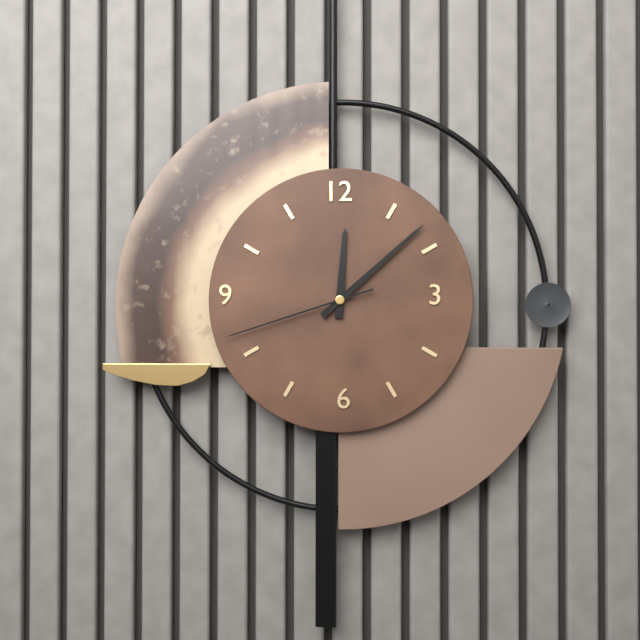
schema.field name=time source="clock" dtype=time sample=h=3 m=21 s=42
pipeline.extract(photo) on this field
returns h=12 m=8 s=42
